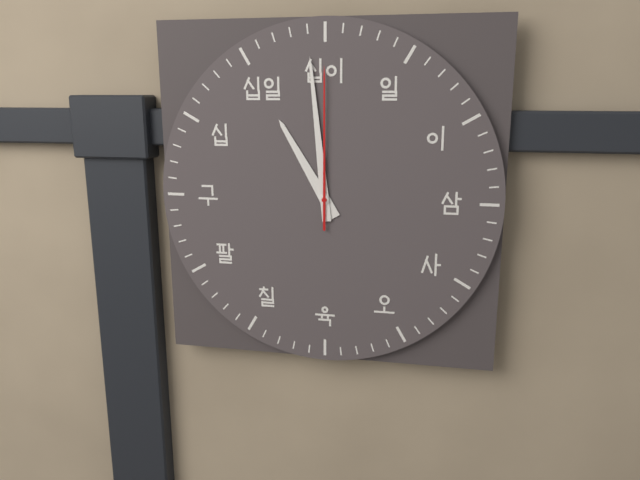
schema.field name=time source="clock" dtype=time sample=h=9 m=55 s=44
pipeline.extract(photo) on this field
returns h=10 m=59 s=0
